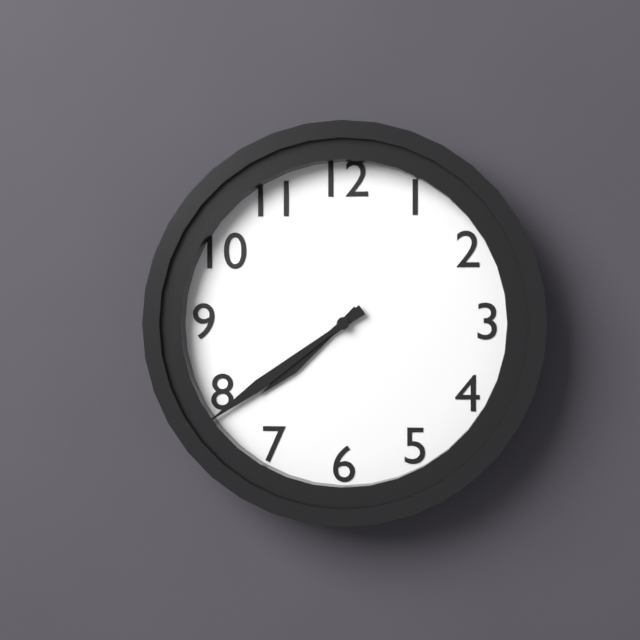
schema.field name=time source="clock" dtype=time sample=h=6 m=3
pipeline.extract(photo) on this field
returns h=7 m=39
